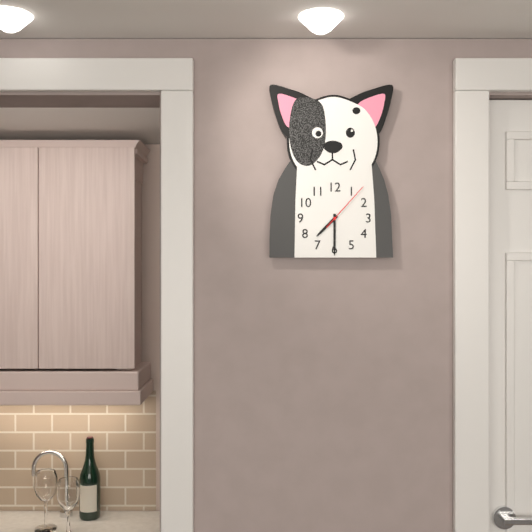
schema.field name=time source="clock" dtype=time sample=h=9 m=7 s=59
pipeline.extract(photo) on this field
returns h=7 m=30 s=7
